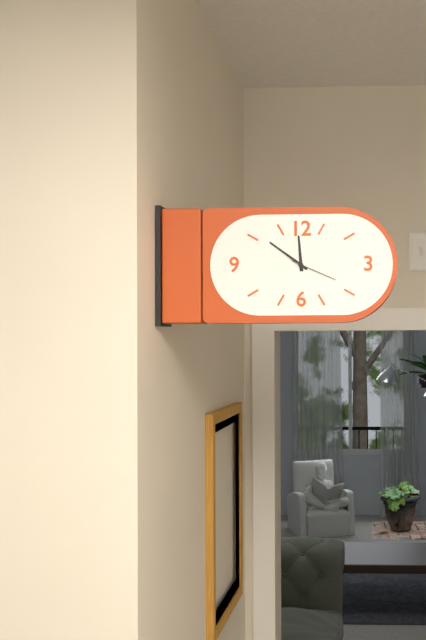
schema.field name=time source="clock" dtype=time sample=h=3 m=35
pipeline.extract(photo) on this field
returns h=11 m=51
